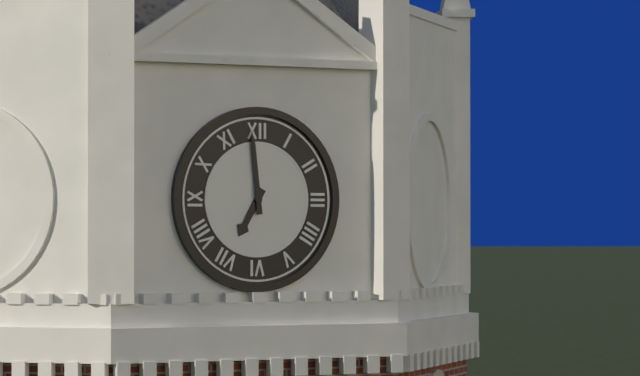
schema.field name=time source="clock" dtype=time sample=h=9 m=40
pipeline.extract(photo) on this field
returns h=6 m=59
